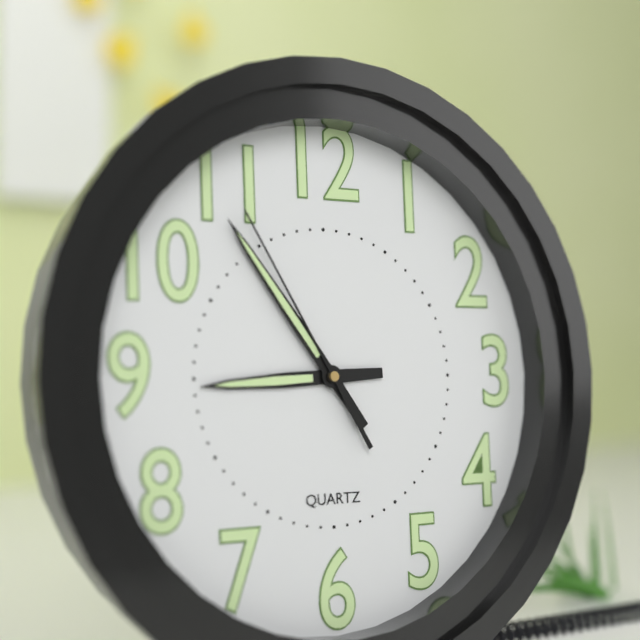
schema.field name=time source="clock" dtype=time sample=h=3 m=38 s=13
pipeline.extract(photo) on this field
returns h=8 m=54 s=55
